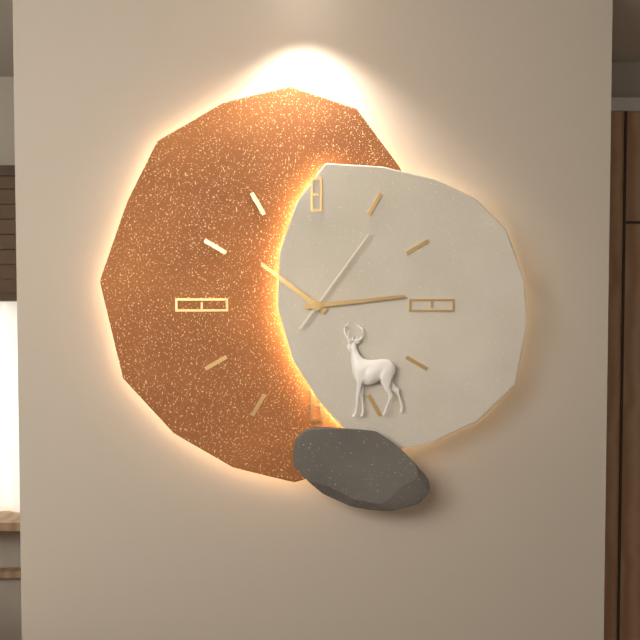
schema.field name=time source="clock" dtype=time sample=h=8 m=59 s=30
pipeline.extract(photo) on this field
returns h=10 m=14 s=6
